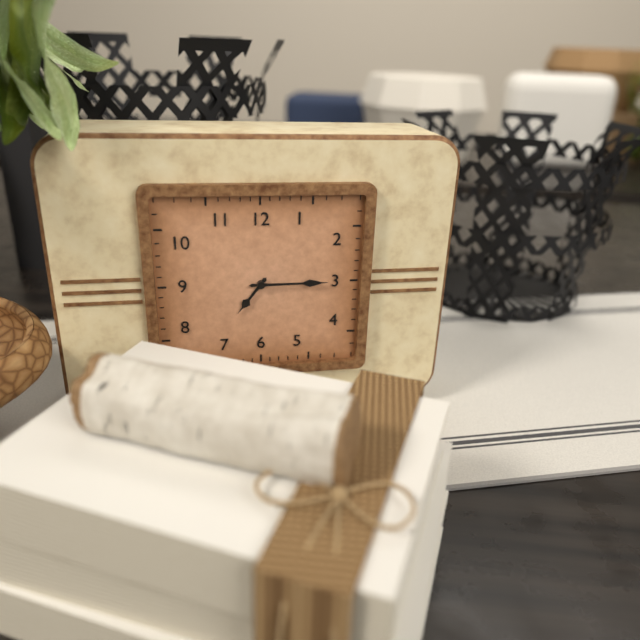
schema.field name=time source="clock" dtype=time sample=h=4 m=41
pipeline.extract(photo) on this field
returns h=7 m=15
